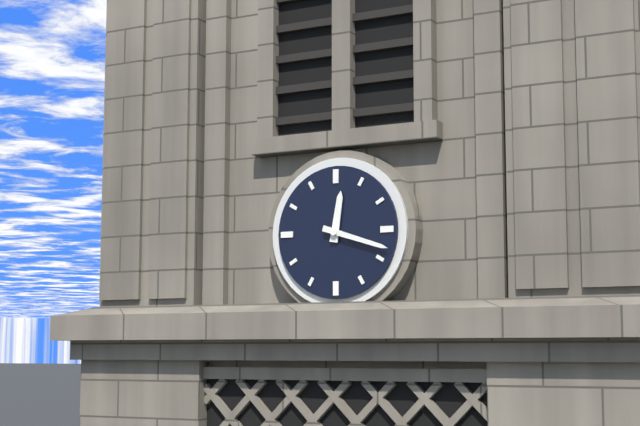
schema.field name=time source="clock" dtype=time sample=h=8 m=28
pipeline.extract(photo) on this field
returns h=12 m=18
